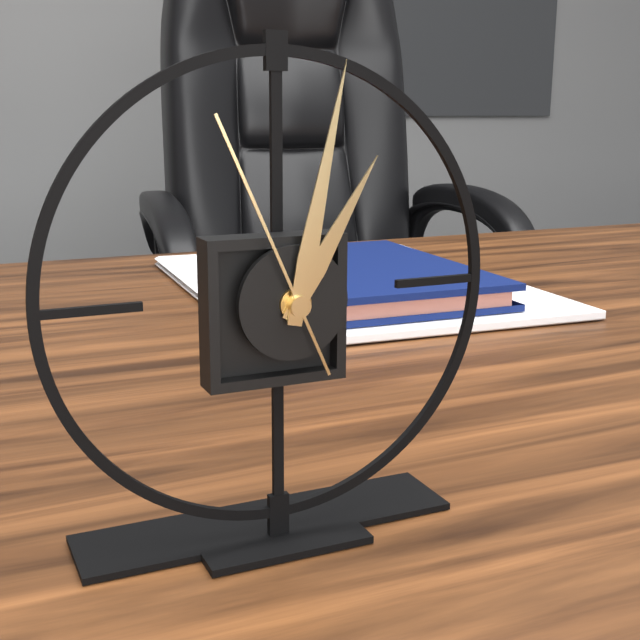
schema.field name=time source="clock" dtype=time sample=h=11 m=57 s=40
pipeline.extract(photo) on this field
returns h=1 m=2 s=56
